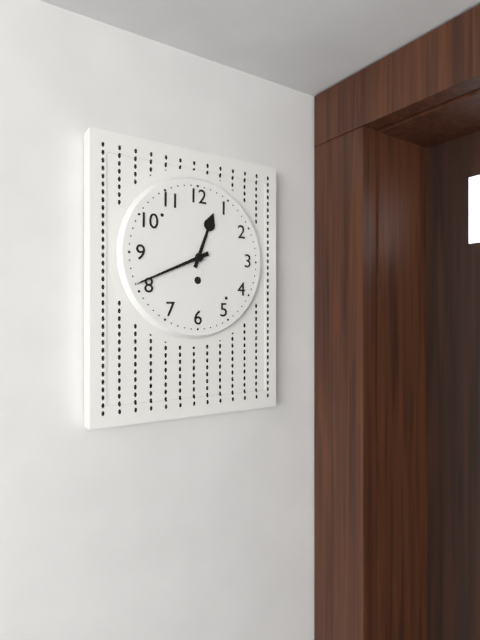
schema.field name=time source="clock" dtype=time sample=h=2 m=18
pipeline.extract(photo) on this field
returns h=12 m=41
